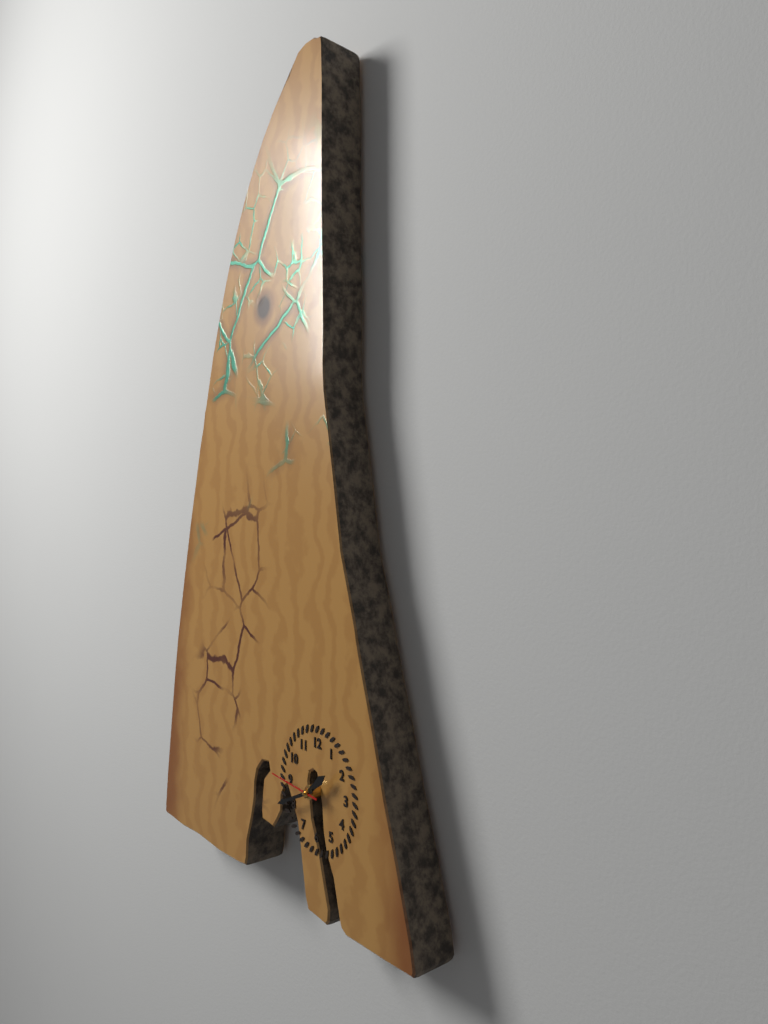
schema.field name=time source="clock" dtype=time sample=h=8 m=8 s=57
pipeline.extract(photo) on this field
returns h=1 m=41 s=46
